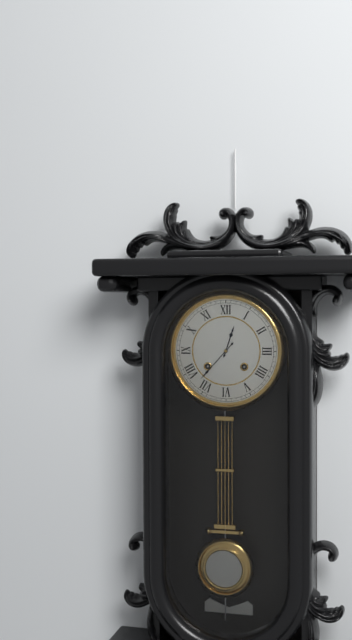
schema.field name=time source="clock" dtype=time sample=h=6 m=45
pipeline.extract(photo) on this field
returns h=12 m=37
